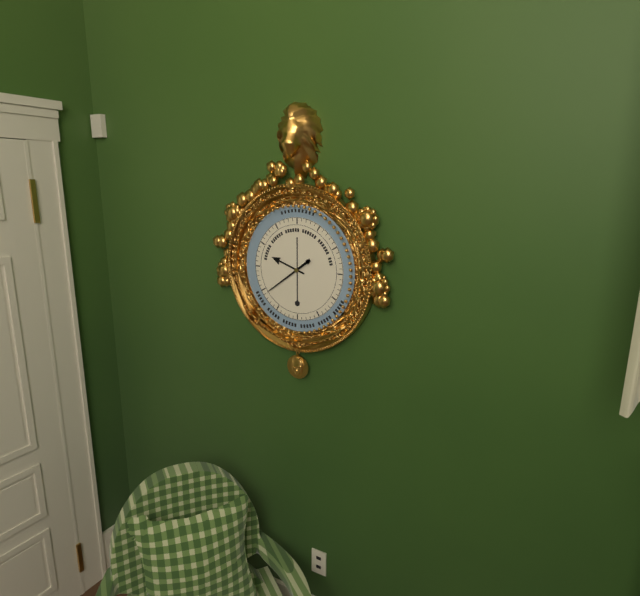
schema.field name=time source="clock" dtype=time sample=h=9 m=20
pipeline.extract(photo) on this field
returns h=9 m=39
